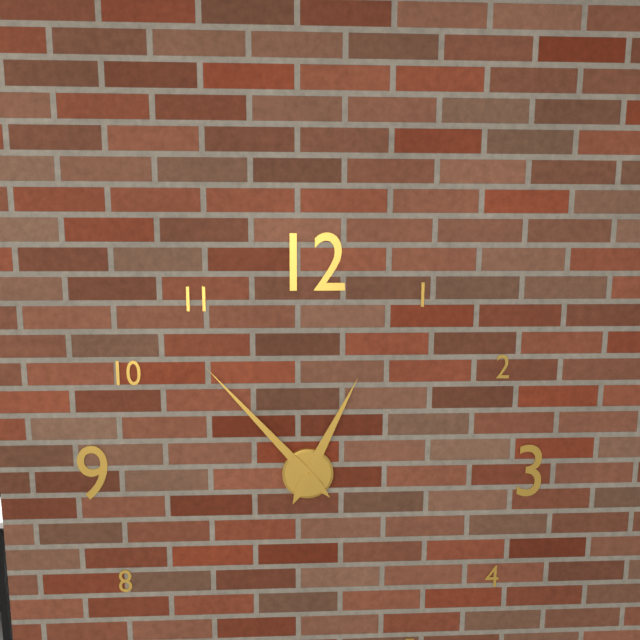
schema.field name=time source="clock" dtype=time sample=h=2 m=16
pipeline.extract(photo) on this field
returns h=12 m=53
